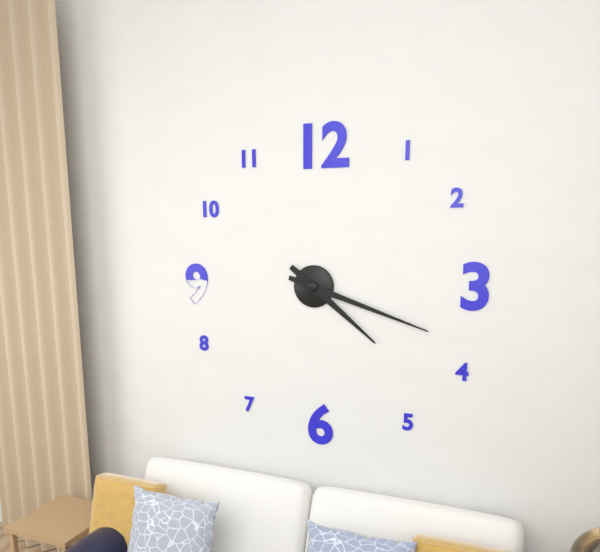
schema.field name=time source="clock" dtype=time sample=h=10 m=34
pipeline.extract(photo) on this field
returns h=4 m=18
